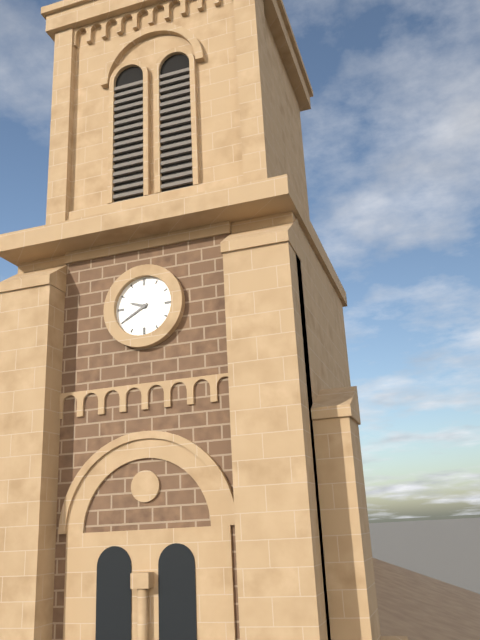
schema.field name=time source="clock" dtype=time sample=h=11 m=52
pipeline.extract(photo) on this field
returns h=9 m=40
